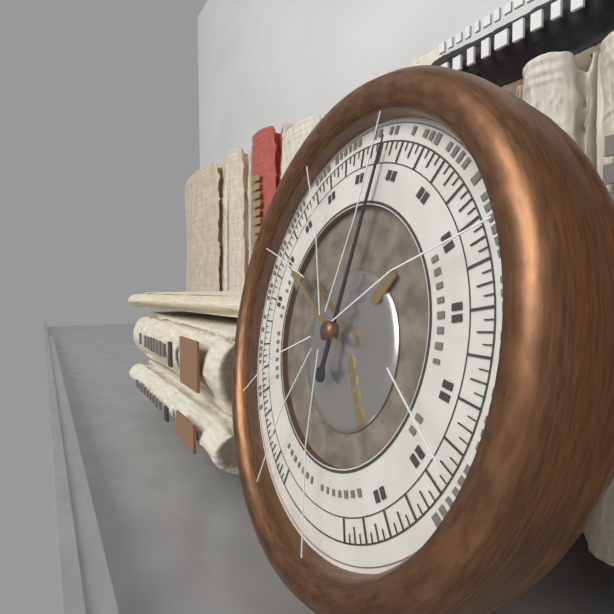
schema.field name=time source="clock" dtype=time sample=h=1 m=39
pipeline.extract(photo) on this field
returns h=10 m=2
